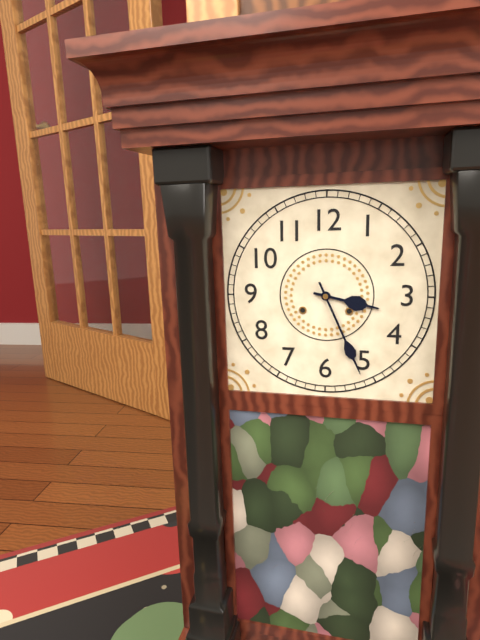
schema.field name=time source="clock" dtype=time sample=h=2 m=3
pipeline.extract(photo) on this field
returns h=3 m=26
